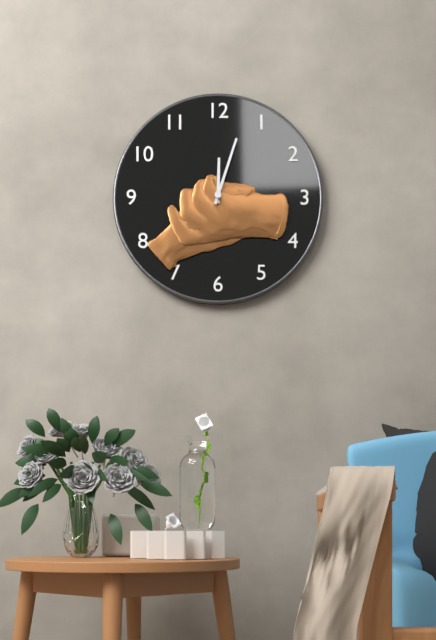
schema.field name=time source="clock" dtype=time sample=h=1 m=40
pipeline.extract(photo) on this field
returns h=12 m=3
